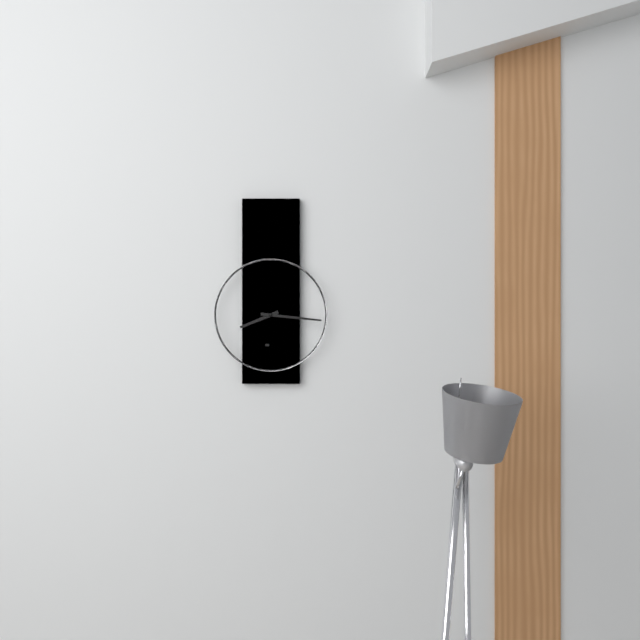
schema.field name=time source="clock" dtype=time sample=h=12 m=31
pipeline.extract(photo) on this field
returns h=8 m=16
